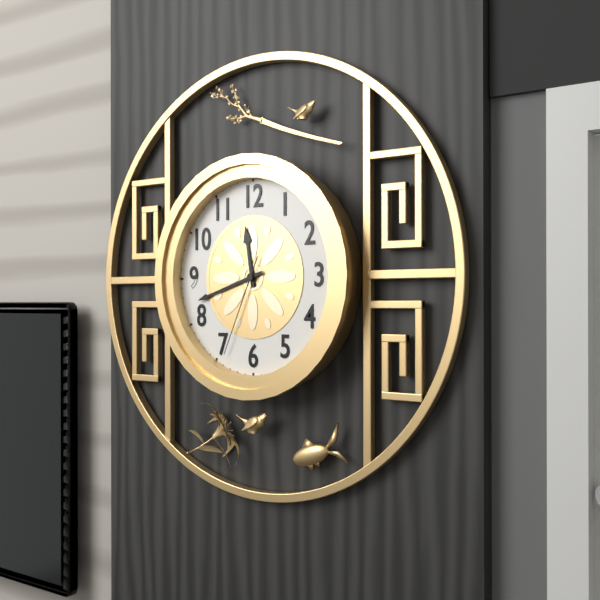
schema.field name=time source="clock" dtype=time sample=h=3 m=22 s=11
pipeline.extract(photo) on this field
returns h=11 m=42 s=34
